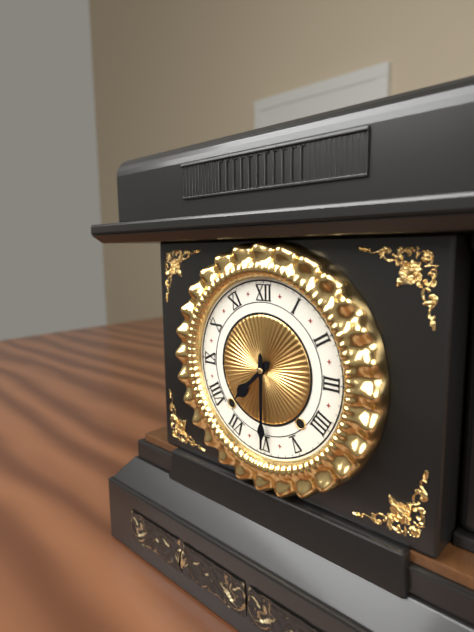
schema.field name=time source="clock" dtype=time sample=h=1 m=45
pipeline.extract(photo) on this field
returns h=7 m=30
